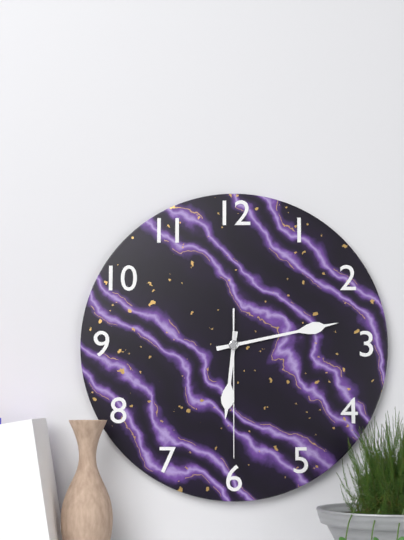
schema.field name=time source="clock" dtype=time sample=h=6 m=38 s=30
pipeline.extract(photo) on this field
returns h=6 m=13 s=30
